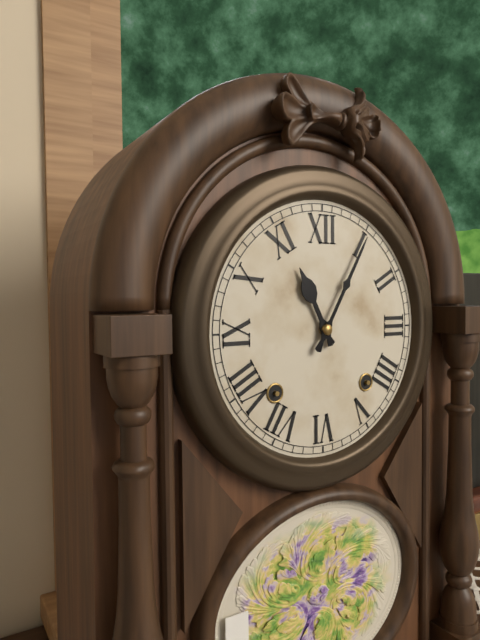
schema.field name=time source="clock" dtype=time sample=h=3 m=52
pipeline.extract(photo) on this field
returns h=11 m=5
